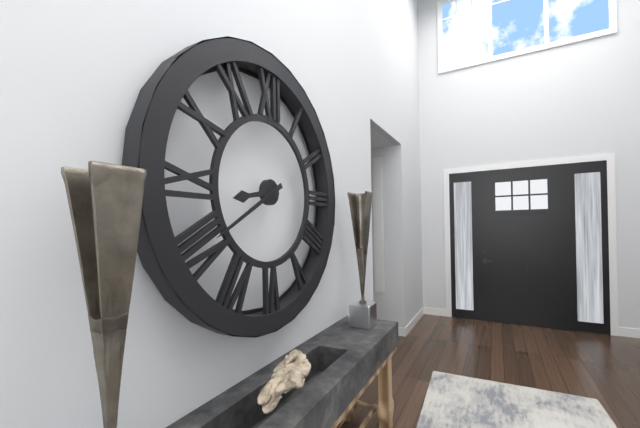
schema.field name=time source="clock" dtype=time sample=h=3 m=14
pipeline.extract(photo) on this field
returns h=8 m=40
